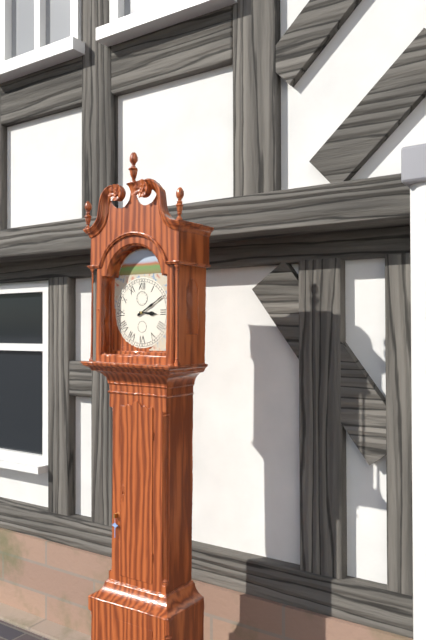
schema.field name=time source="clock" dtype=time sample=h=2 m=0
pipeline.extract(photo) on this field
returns h=3 m=10
